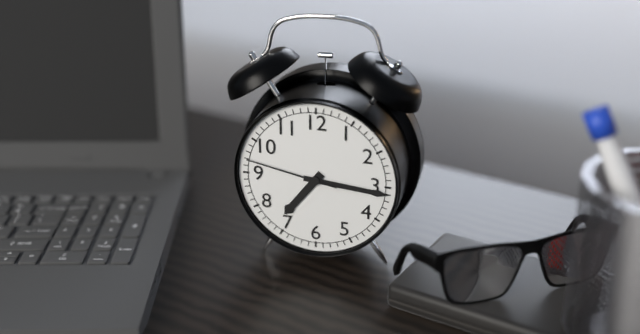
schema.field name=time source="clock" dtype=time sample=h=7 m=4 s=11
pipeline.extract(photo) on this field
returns h=7 m=16 s=47
